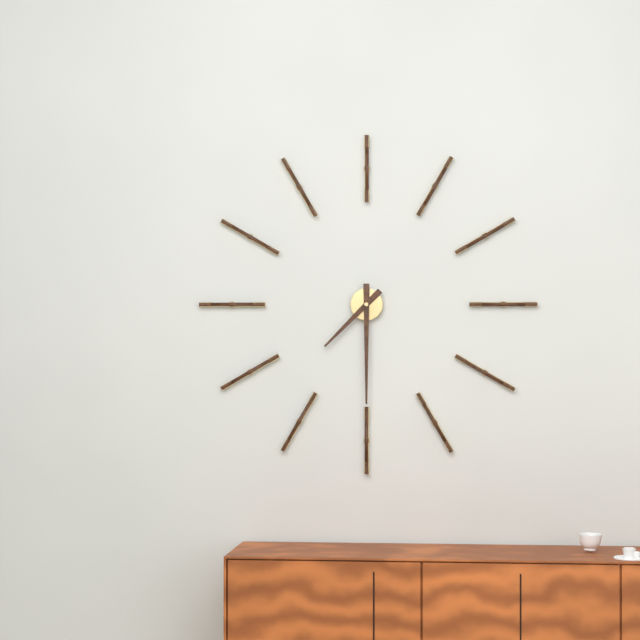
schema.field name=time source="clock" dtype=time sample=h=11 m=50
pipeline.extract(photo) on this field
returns h=7 m=30
